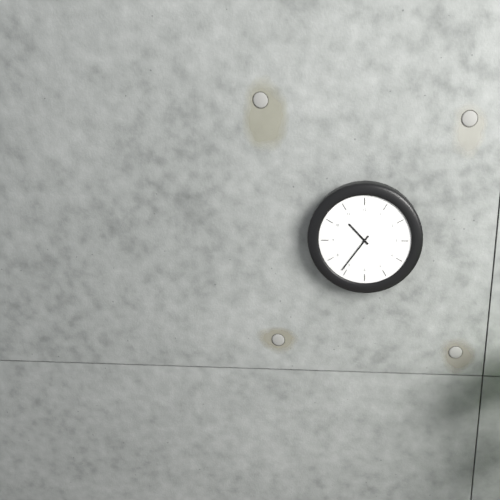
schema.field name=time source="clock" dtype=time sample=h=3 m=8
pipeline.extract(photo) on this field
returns h=10 m=36
